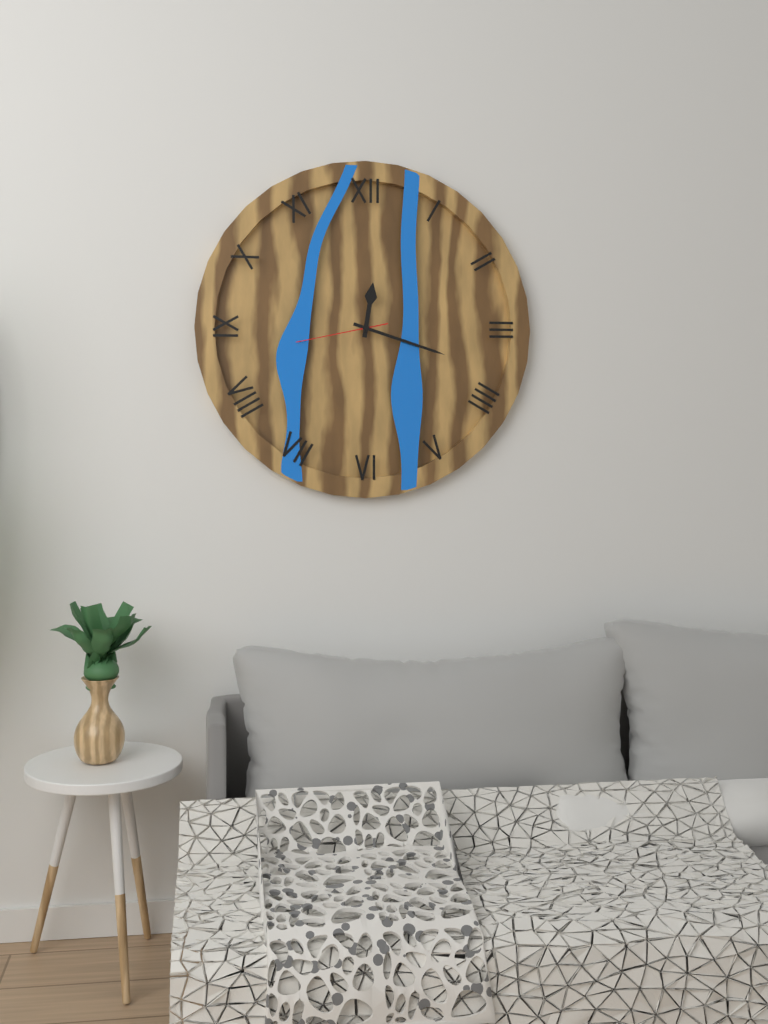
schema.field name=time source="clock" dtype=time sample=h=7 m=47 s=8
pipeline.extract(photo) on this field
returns h=12 m=18 s=43
